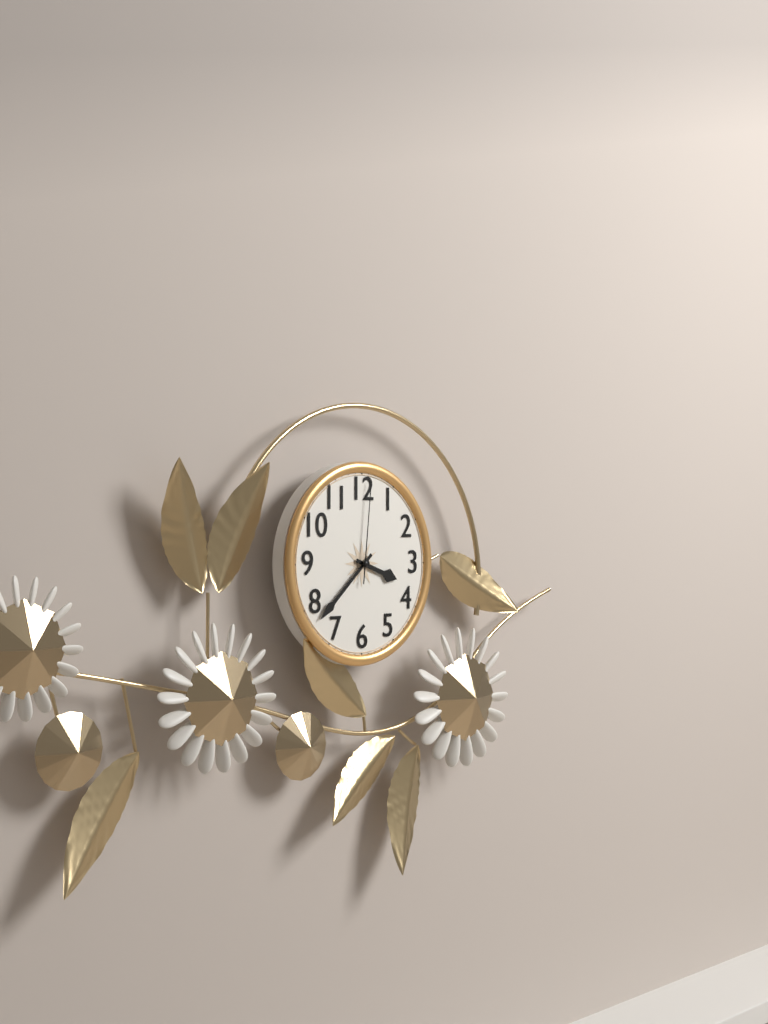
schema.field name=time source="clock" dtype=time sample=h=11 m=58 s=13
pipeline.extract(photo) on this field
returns h=3 m=38 s=1
